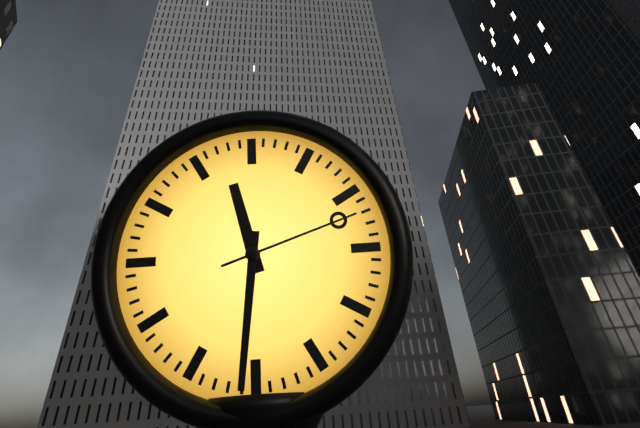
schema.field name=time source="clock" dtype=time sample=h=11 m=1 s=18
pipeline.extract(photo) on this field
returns h=11 m=31 s=12
